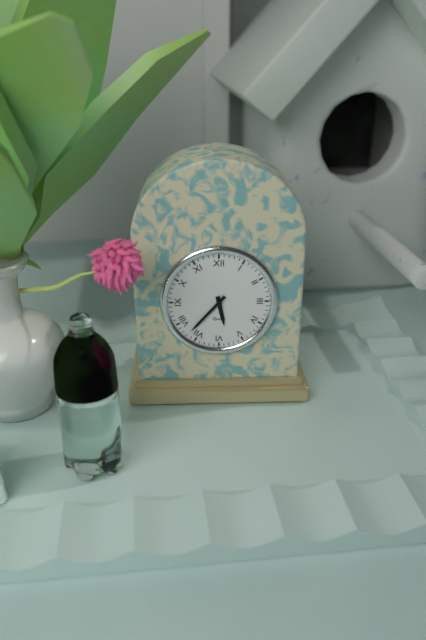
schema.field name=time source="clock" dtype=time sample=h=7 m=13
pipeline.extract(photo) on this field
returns h=5 m=37
